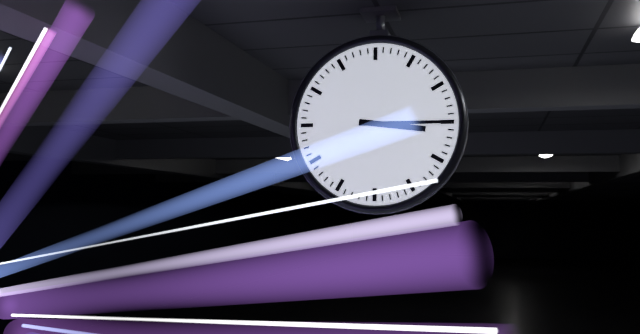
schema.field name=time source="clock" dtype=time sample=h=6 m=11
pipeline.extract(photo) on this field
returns h=3 m=15
